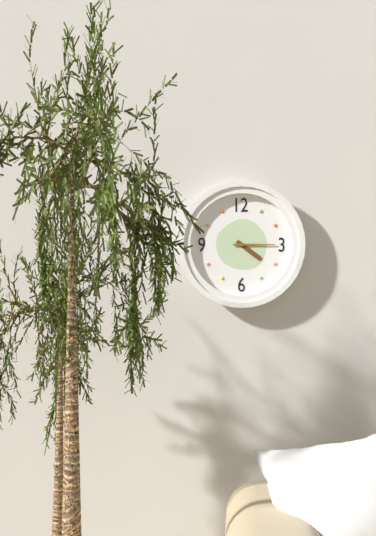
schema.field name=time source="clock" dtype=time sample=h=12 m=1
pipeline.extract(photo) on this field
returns h=4 m=15
